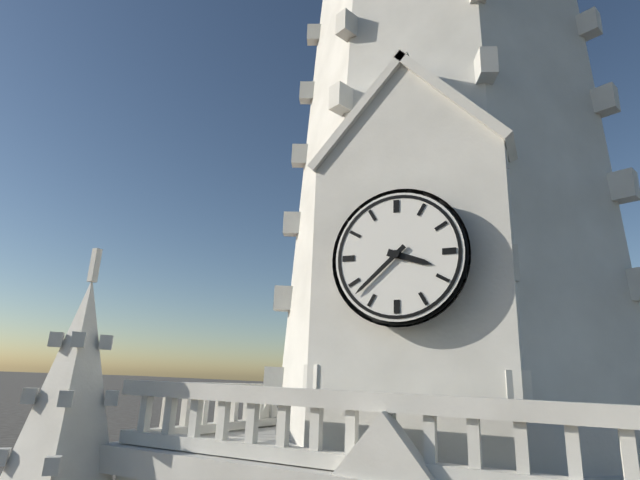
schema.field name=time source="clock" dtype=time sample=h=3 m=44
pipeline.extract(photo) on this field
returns h=3 m=38
